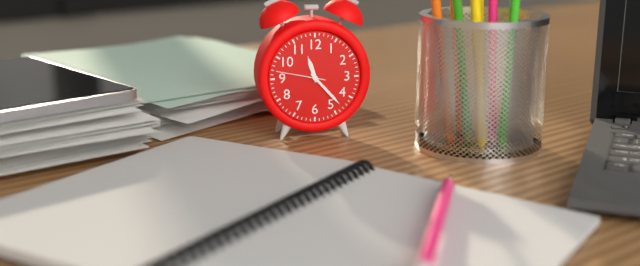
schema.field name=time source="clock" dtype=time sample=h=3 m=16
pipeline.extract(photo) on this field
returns h=11 m=23
